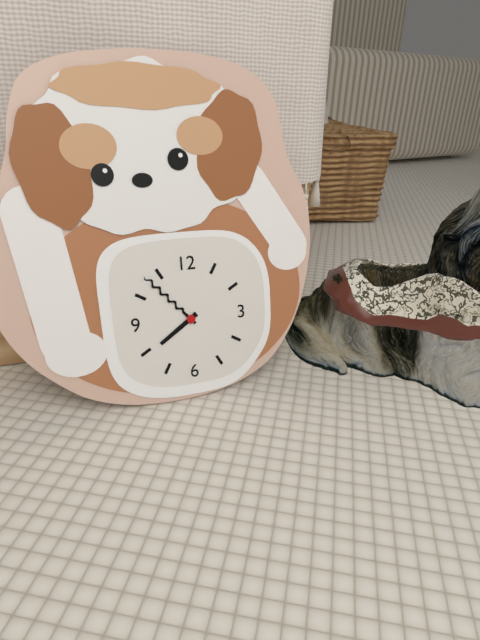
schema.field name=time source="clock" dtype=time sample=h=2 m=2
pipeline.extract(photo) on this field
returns h=7 m=53
